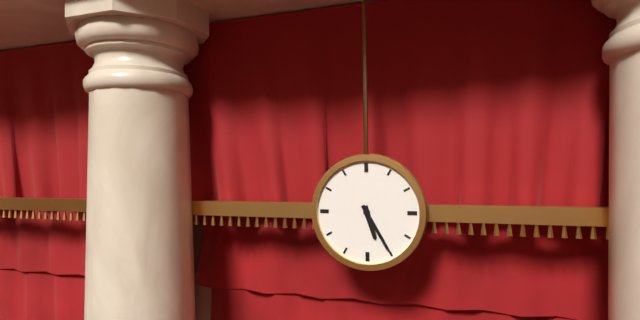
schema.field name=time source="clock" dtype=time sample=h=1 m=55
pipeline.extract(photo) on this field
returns h=5 m=25
